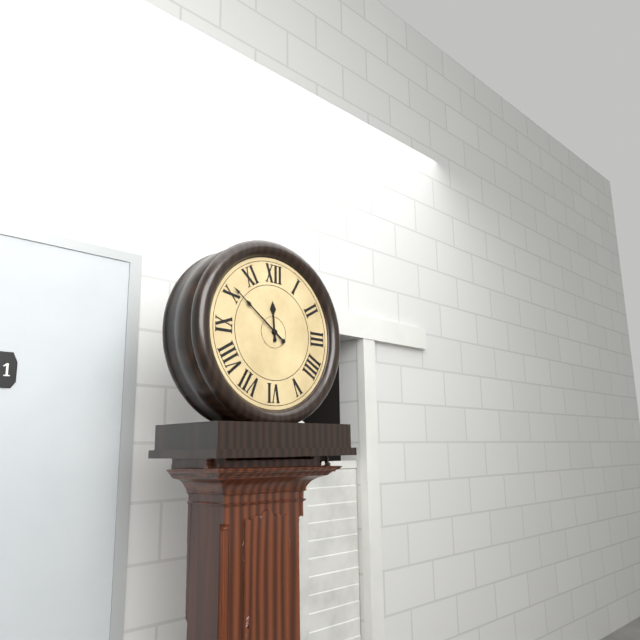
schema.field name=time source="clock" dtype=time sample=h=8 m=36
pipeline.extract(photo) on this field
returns h=11 m=51
